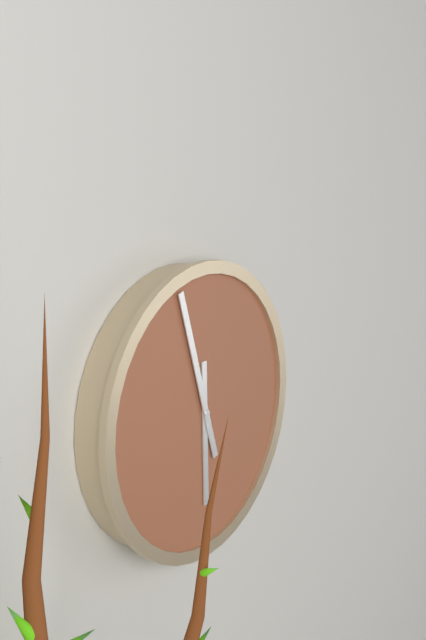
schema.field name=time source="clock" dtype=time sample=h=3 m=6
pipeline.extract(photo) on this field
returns h=5 m=57
